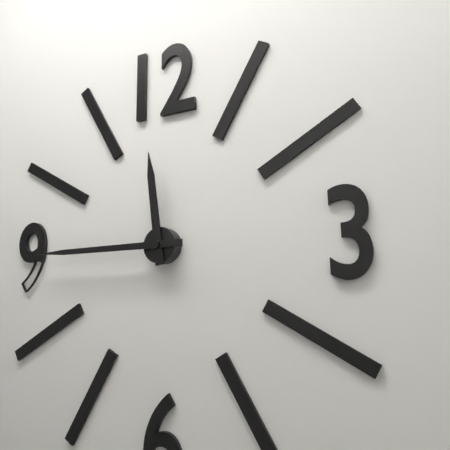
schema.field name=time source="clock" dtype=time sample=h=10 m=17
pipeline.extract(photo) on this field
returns h=11 m=45
